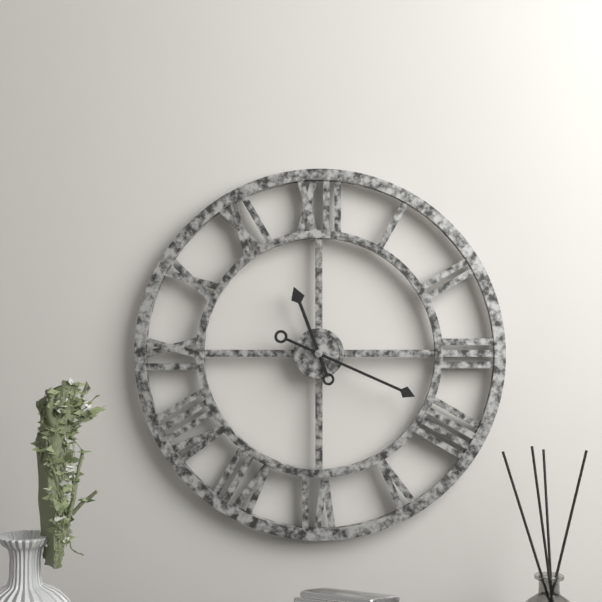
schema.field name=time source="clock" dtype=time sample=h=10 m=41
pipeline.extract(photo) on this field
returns h=11 m=19
